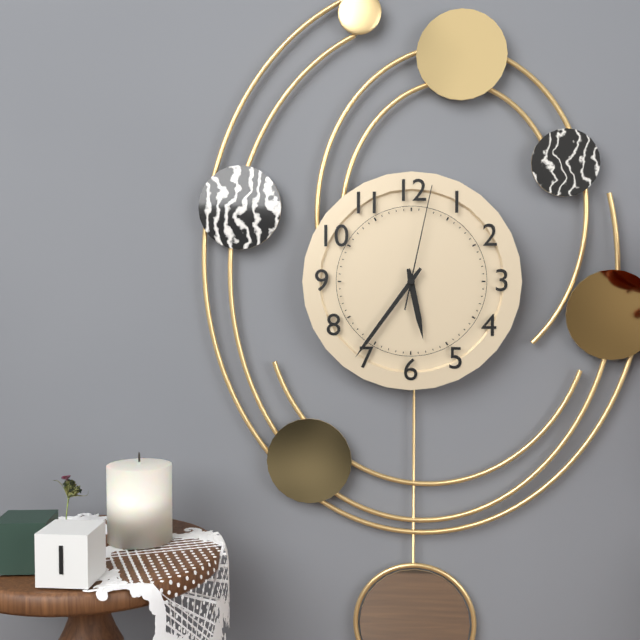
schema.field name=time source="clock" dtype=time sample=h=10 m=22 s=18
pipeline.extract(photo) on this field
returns h=5 m=36 s=2
